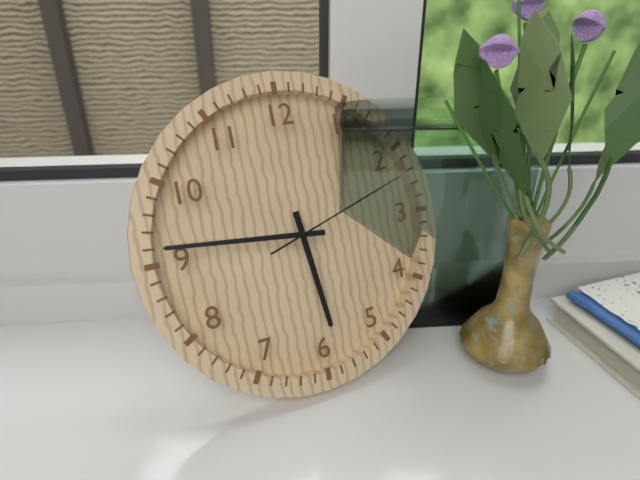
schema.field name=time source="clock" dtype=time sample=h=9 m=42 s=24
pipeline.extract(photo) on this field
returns h=5 m=46 s=12
